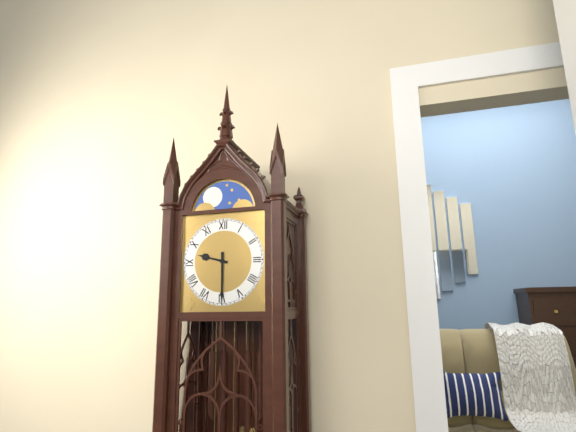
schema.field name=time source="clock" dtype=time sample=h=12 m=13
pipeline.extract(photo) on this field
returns h=9 m=30
